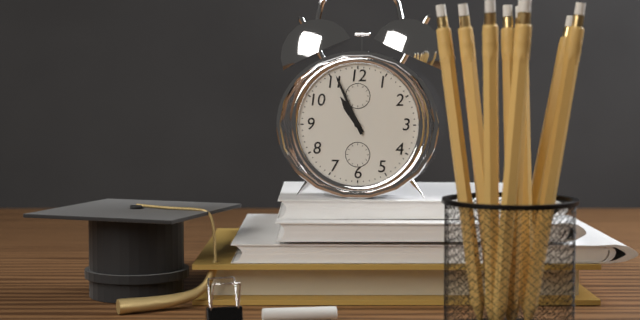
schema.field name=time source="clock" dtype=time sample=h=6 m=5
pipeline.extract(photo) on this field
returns h=10 m=56
